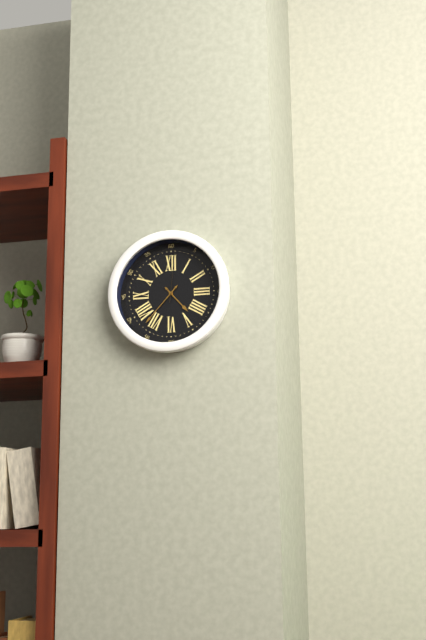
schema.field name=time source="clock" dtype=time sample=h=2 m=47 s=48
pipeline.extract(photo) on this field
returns h=4 m=37 s=1
